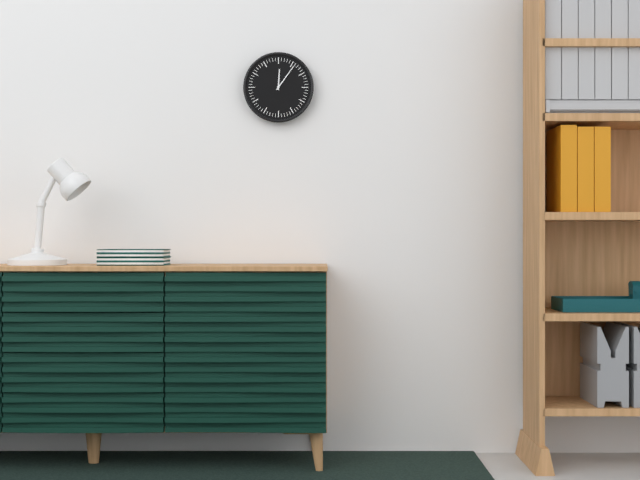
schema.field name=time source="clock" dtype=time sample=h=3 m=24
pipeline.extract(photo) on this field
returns h=12 m=6
